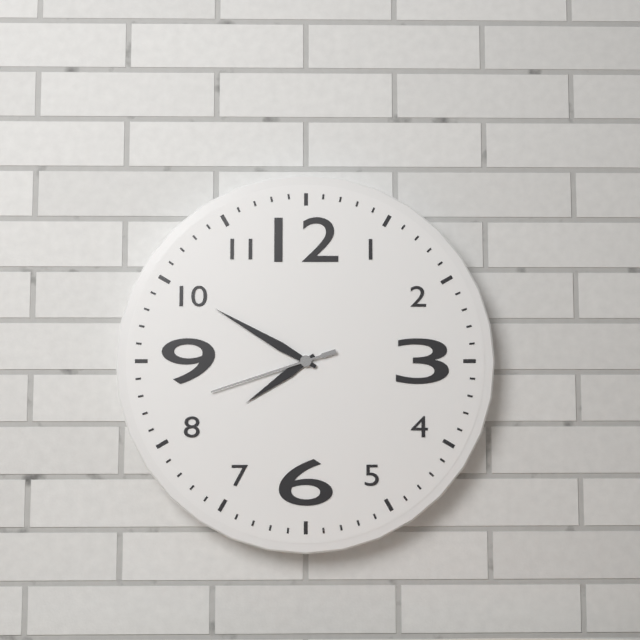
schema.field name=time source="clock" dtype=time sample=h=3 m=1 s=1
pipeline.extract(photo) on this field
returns h=7 m=50 s=42
